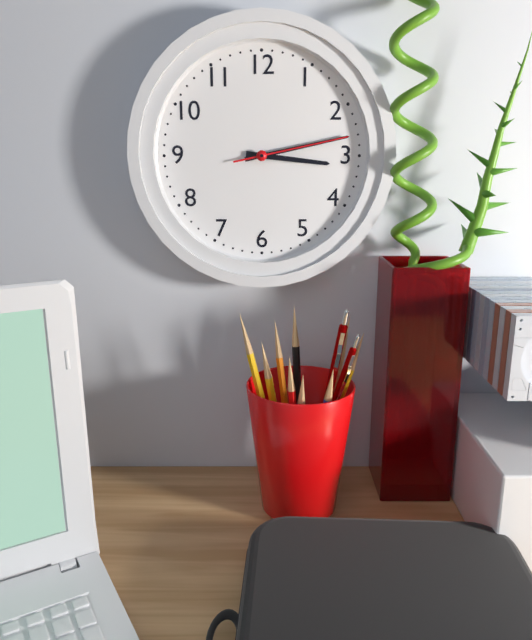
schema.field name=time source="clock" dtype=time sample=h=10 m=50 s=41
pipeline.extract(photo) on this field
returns h=3 m=13 s=13
